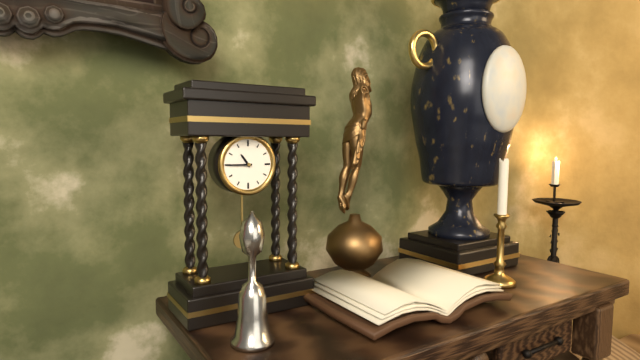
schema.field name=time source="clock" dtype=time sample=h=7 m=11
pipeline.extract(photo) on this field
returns h=10 m=45
